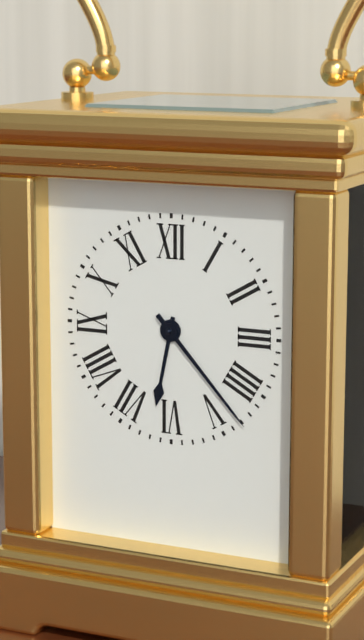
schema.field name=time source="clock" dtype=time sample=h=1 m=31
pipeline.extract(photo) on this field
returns h=6 m=23
